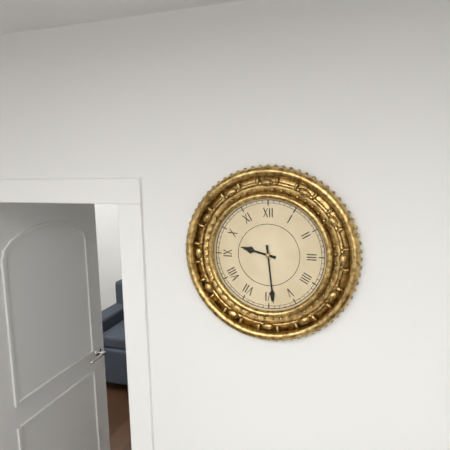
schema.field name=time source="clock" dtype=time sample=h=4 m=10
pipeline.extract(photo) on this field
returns h=9 m=29
